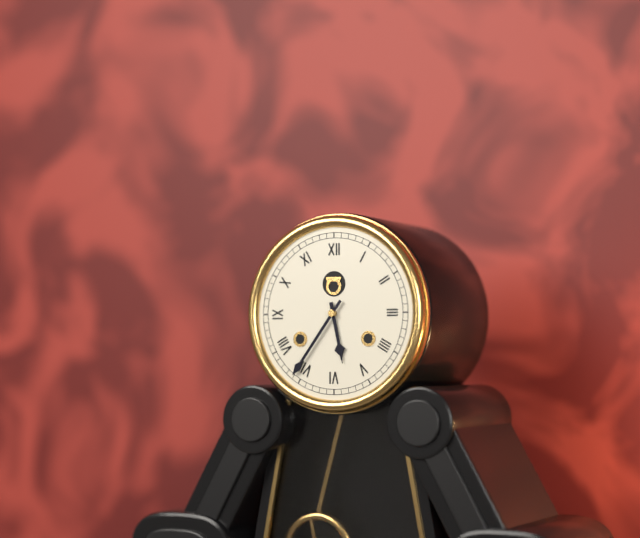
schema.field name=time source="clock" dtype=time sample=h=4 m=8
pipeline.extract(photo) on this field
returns h=5 m=36
